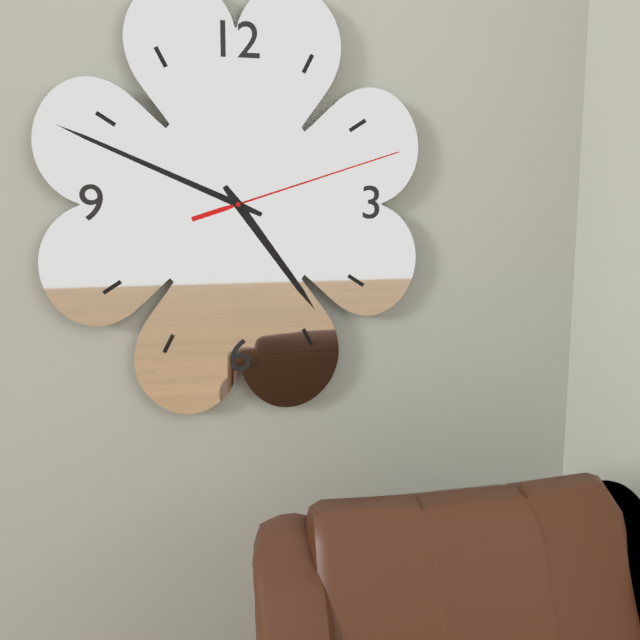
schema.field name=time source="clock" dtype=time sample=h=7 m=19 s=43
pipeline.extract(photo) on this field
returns h=4 m=49 s=12
